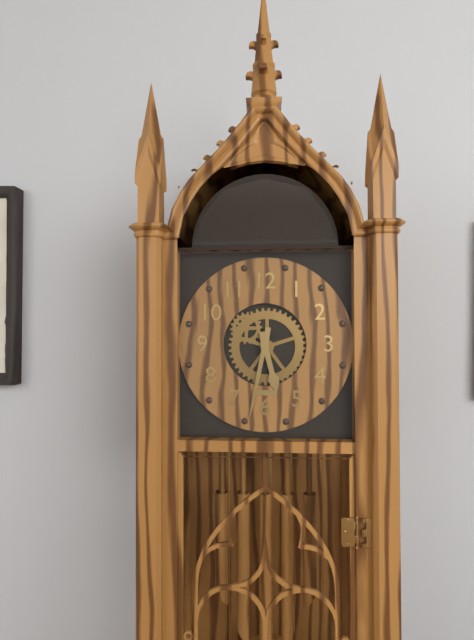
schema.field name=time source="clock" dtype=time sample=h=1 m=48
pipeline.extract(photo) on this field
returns h=5 m=32
